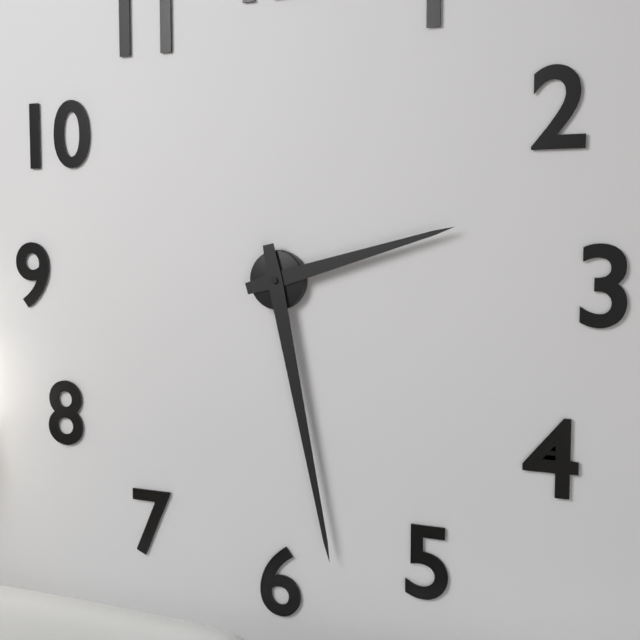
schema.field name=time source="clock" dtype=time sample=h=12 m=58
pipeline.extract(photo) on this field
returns h=2 m=28
